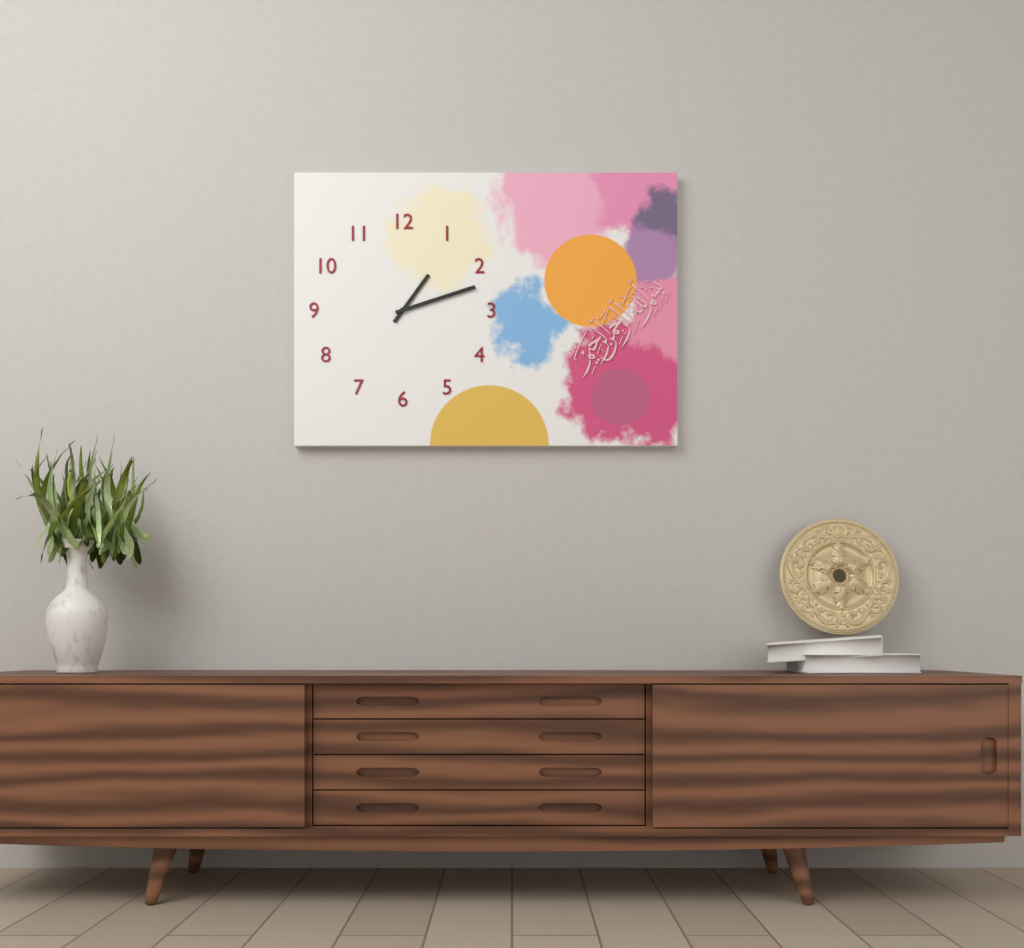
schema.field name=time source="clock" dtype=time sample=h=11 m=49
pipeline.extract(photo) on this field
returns h=1 m=12
